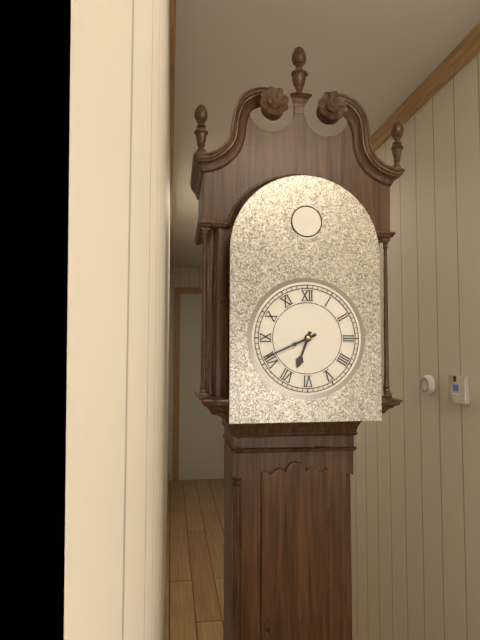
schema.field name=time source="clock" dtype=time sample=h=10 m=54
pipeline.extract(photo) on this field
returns h=6 m=41
